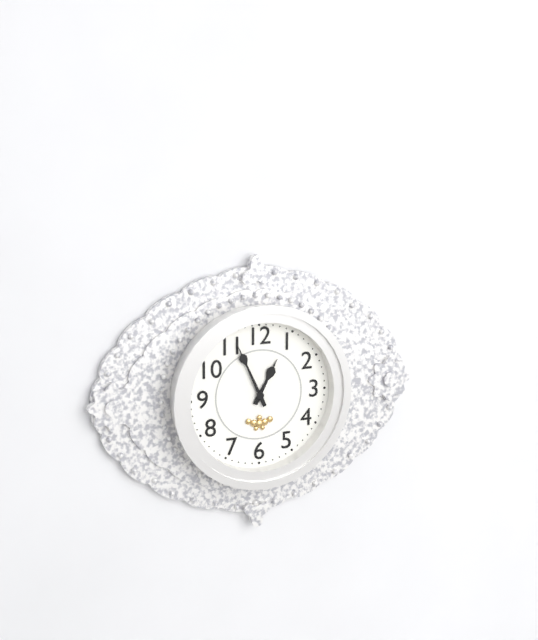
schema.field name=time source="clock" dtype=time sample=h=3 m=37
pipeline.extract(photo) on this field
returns h=12 m=56
